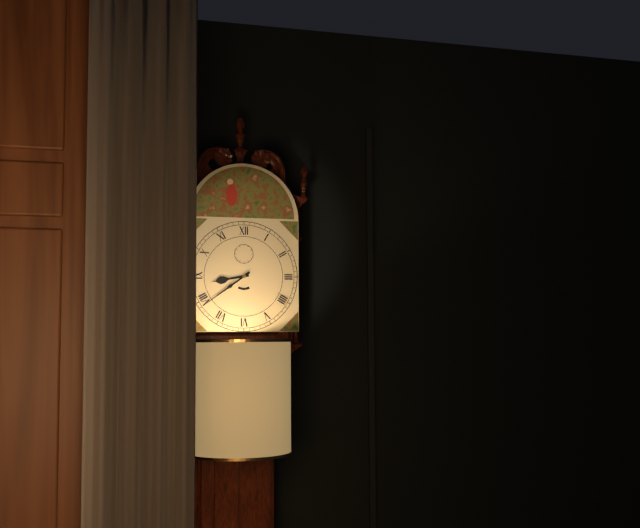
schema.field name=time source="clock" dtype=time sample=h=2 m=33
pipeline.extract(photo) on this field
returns h=8 m=39
